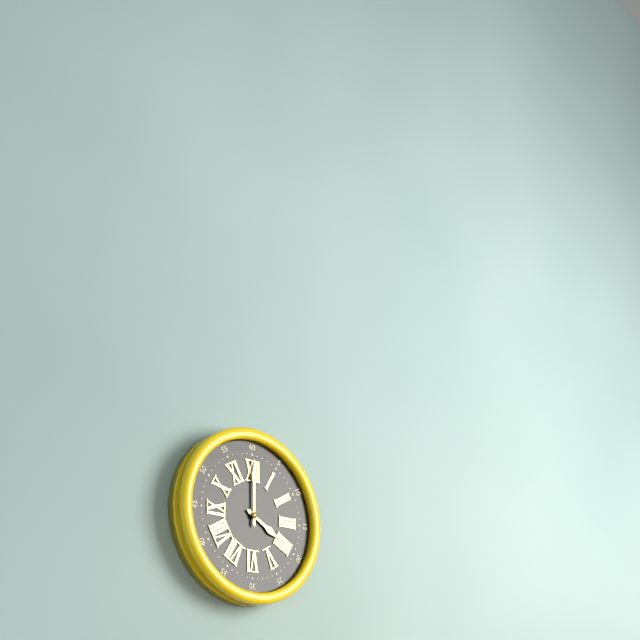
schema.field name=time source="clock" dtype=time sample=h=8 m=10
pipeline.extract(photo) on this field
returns h=4 m=0
